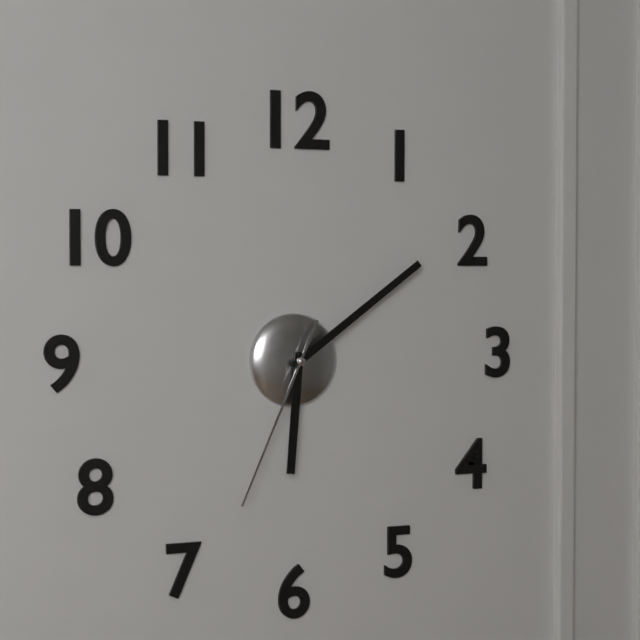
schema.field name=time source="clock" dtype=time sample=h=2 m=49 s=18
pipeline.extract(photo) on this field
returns h=6 m=9 s=34
